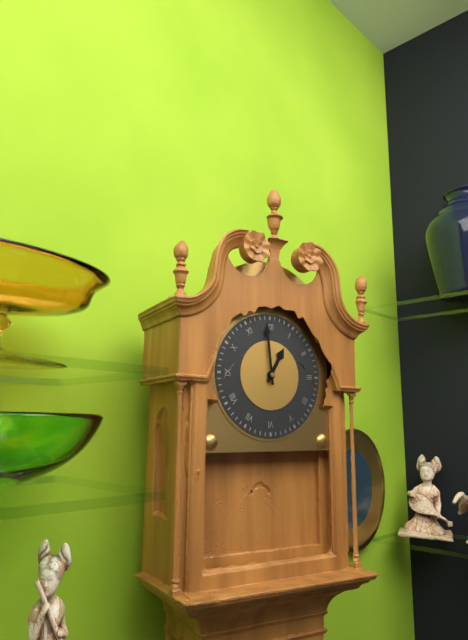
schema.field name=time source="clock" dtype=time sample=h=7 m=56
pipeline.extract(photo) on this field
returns h=12 m=59
